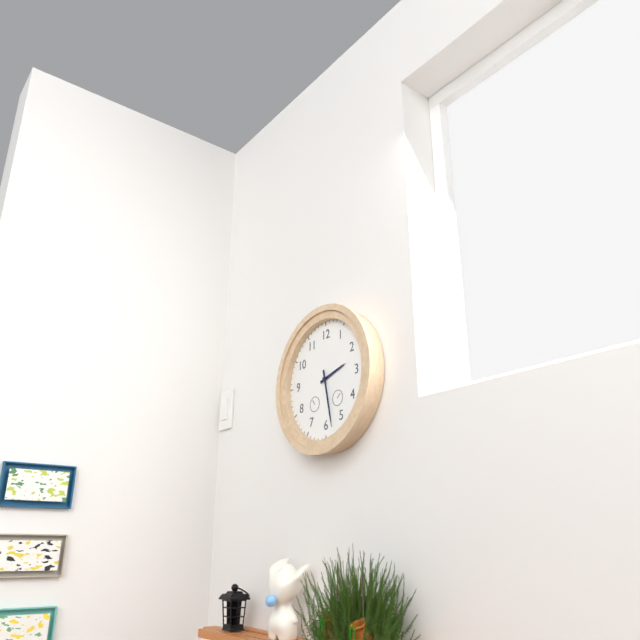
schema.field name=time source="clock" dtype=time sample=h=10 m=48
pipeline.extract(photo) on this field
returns h=2 m=28
